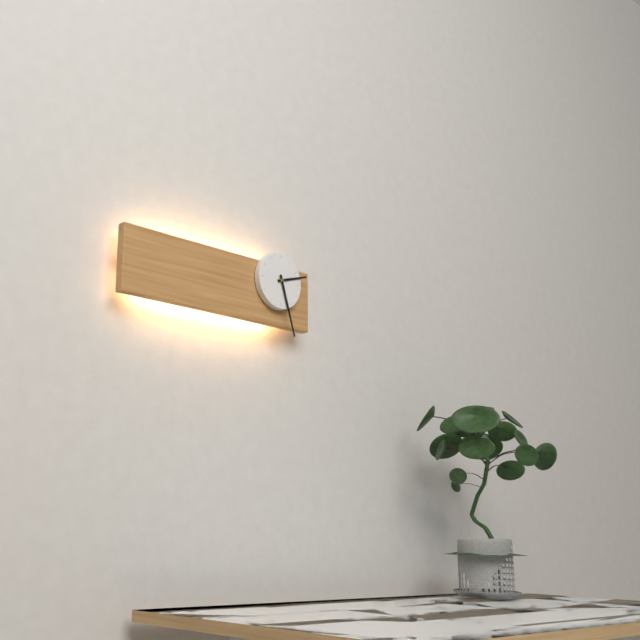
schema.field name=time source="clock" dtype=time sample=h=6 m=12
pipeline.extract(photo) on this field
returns h=2 m=27
